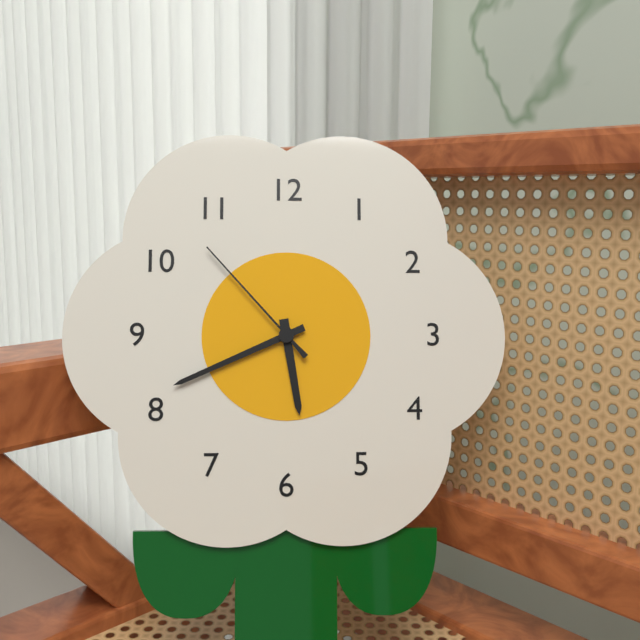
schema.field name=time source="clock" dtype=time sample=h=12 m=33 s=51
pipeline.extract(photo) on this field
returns h=5 m=41 s=53
